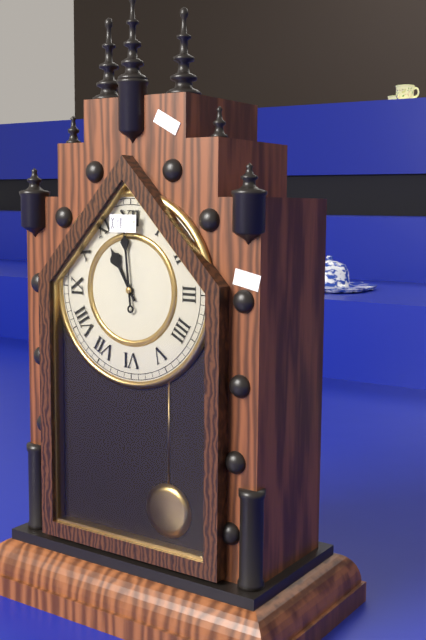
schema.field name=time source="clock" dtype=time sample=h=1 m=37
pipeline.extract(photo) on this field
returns h=10 m=59
